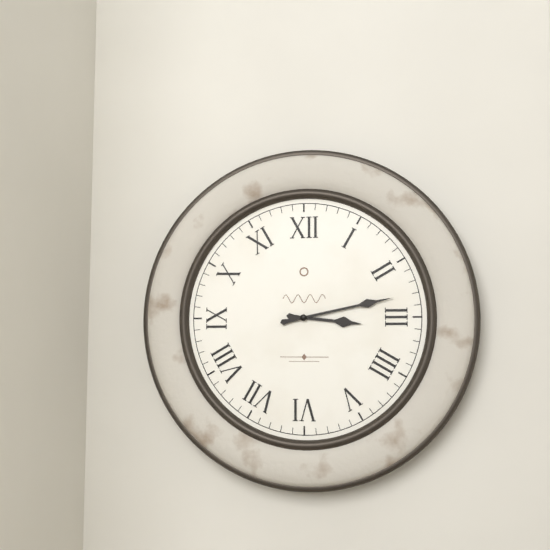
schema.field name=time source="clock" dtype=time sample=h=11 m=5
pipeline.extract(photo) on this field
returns h=3 m=13
